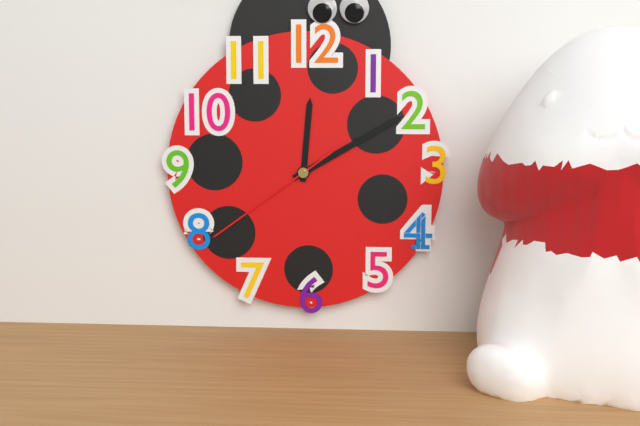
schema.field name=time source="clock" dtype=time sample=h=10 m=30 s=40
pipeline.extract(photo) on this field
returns h=12 m=10 s=39
